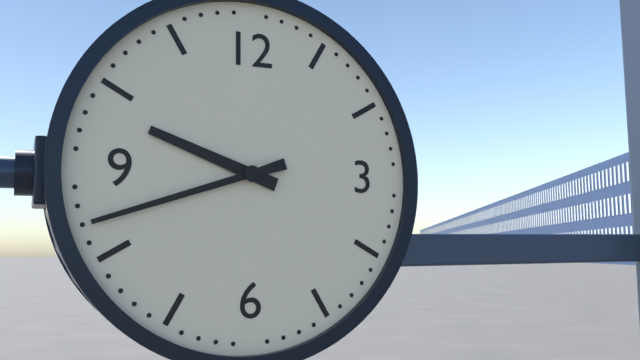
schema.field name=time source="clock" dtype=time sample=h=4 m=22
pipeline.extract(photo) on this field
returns h=9 m=42
